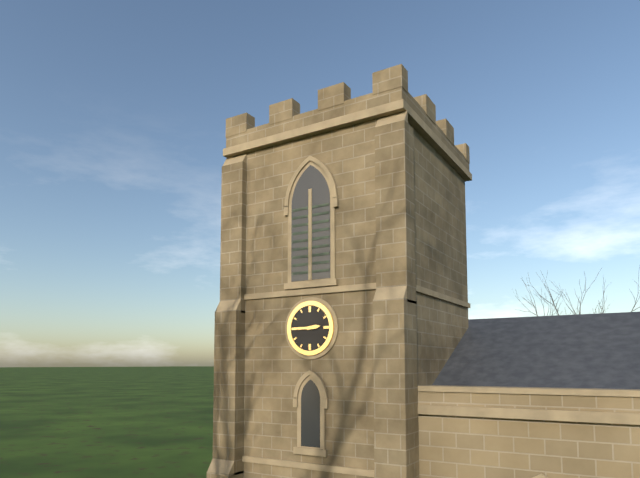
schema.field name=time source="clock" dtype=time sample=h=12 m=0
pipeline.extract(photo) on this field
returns h=2 m=45
